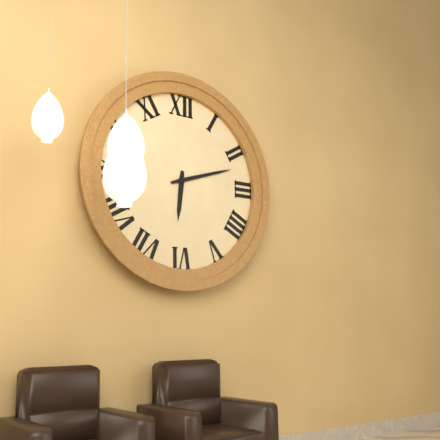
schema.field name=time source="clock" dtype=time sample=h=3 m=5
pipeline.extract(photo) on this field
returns h=6 m=12
